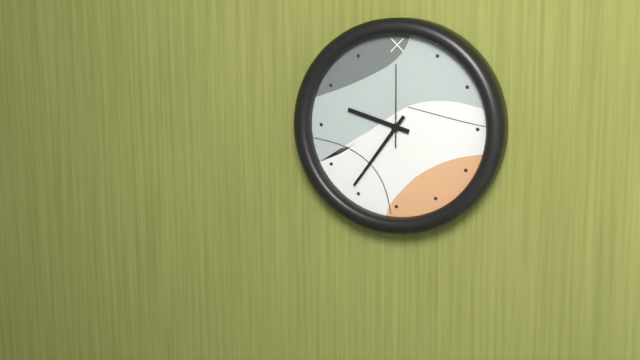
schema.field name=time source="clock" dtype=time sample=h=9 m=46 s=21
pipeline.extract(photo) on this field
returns h=9 m=36 s=0
